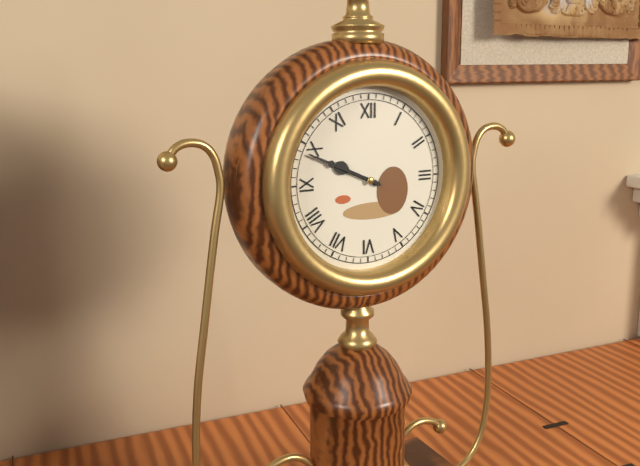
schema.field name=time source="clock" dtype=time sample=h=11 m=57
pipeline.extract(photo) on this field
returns h=9 m=49
